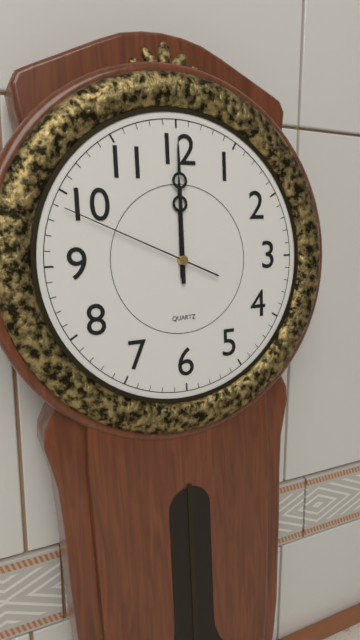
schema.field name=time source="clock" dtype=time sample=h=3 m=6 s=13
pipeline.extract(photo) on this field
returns h=12 m=0 s=49
